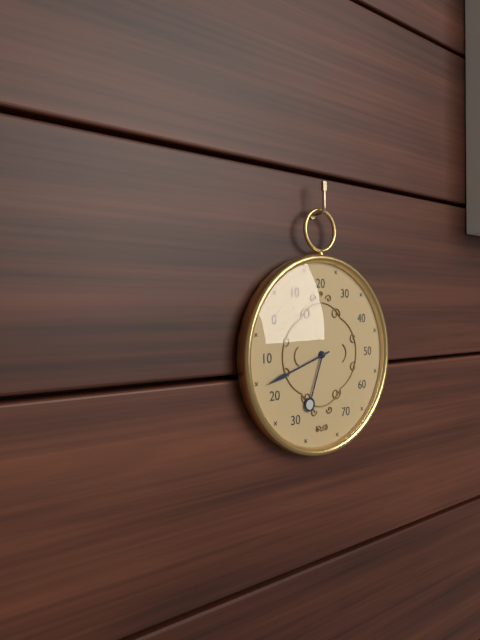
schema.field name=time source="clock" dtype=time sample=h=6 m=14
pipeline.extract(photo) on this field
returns h=6 m=42
